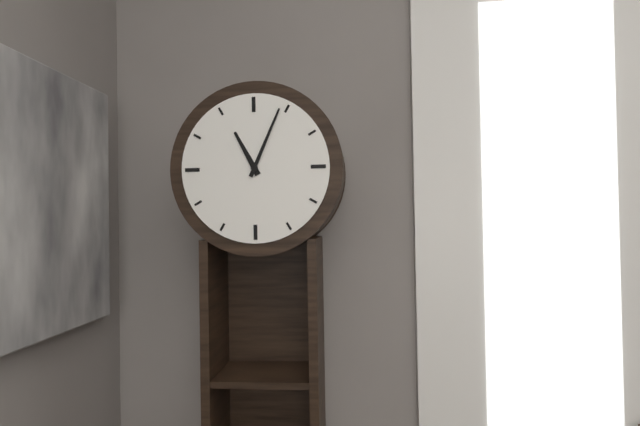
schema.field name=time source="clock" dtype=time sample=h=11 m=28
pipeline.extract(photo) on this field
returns h=11 m=4
